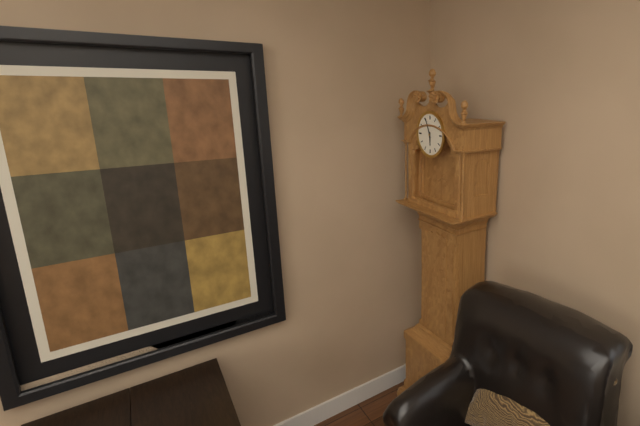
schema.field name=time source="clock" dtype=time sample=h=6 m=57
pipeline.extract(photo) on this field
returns h=5 m=56
